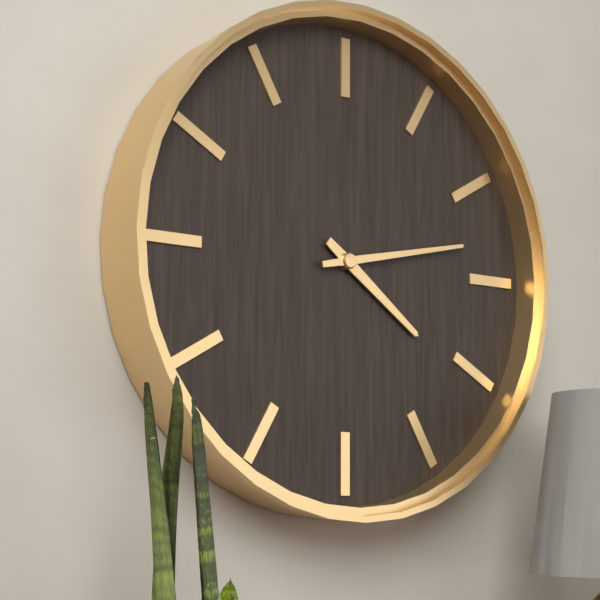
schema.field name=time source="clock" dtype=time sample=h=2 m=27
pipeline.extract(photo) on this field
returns h=4 m=13
